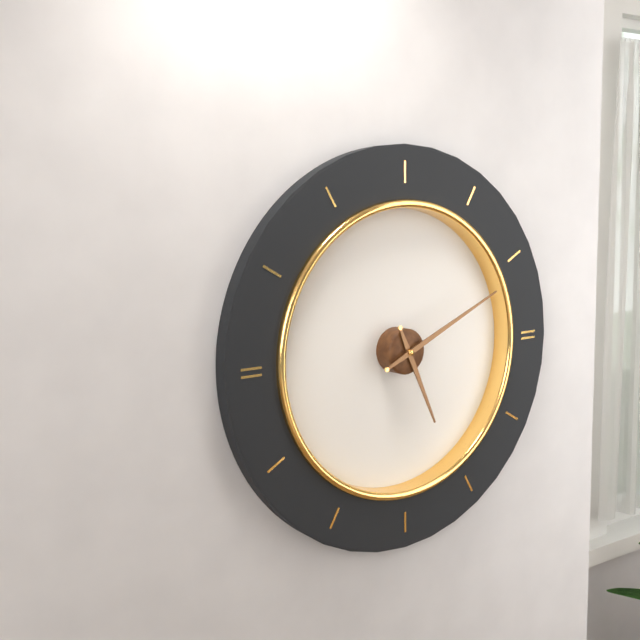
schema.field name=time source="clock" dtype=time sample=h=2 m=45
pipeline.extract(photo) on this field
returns h=5 m=11
